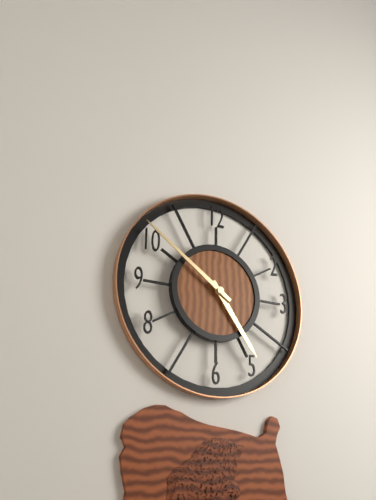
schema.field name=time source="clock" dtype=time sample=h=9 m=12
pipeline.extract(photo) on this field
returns h=4 m=51
